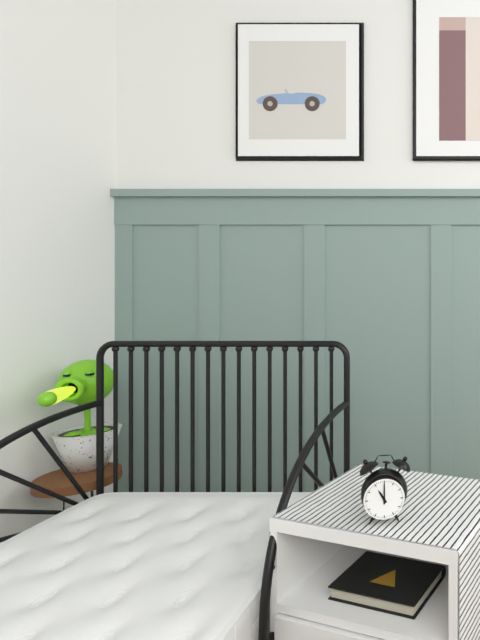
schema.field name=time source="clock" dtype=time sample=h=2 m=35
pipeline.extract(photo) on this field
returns h=11 m=0
